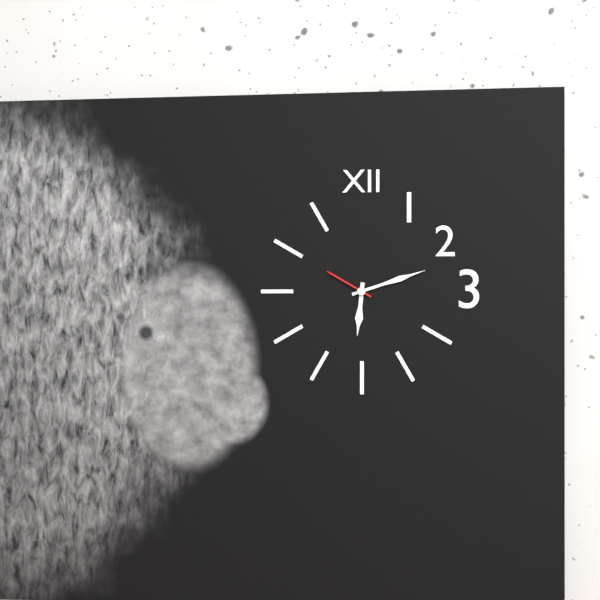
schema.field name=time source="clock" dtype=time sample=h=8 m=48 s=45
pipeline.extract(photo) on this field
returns h=6 m=12 s=50
